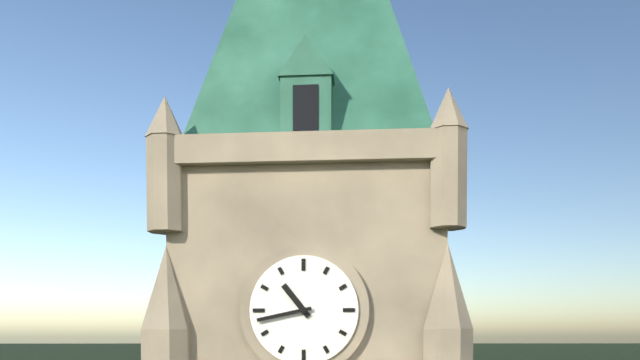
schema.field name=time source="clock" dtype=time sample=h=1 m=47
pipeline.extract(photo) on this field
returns h=10 m=43
